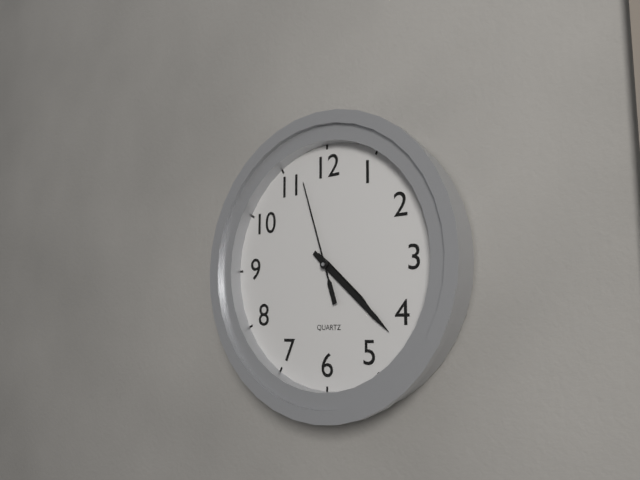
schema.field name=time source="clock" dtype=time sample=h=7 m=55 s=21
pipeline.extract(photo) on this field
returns h=4 m=22 s=57
